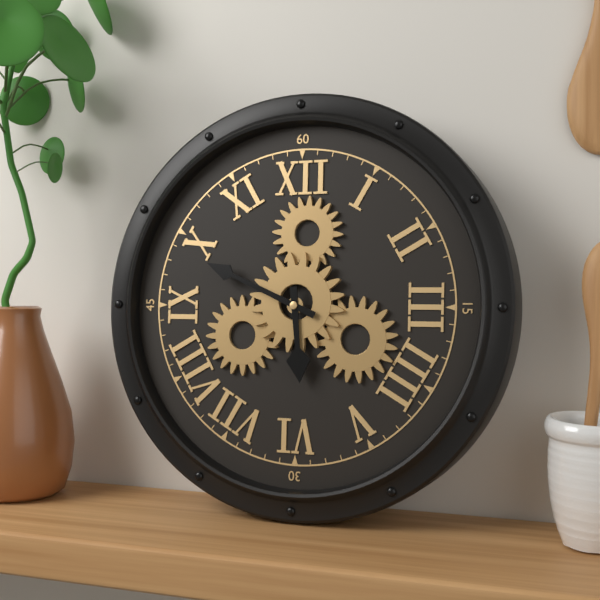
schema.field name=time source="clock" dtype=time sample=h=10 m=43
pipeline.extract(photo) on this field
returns h=5 m=49
